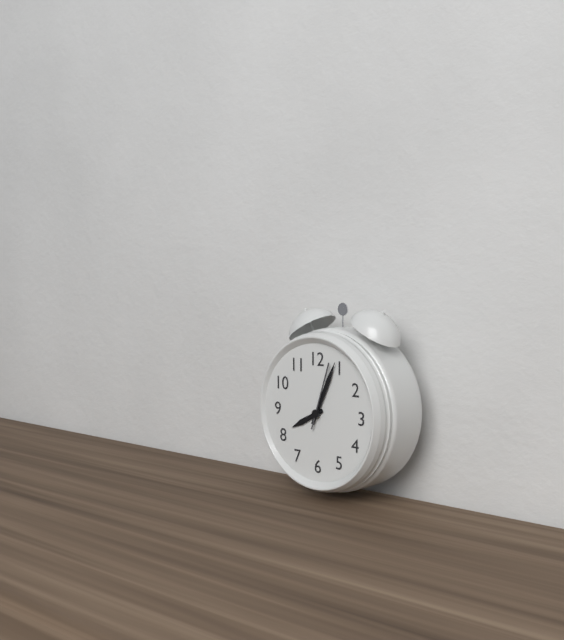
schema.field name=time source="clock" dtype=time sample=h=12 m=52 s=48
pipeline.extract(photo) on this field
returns h=8 m=4 s=3
